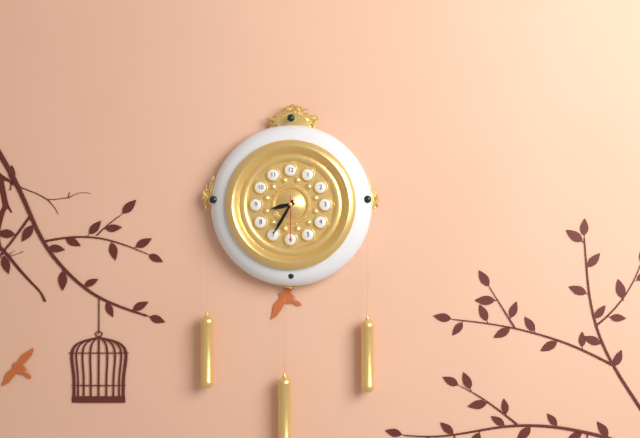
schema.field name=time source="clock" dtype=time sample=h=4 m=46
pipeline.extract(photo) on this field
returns h=8 m=35
